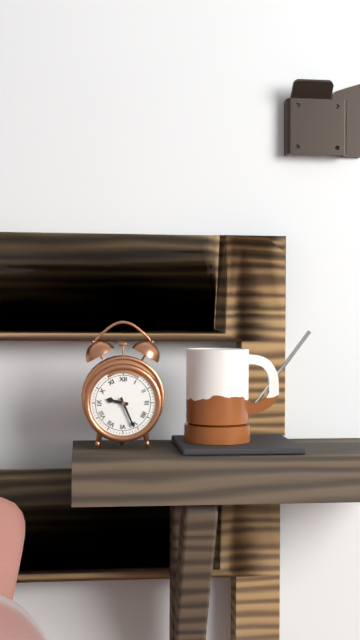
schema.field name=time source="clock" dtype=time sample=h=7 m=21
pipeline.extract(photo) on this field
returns h=9 m=26
